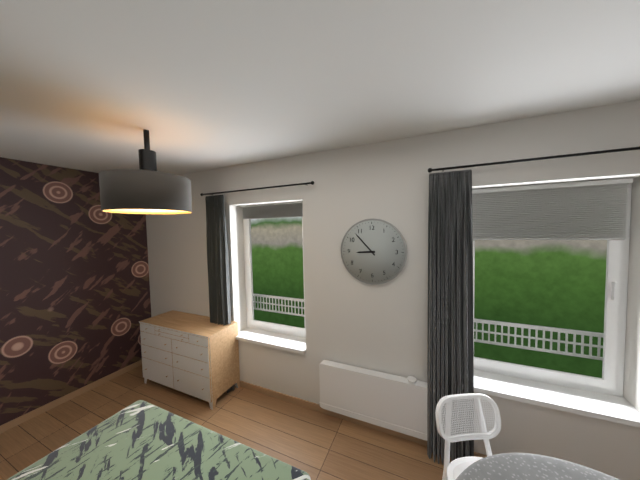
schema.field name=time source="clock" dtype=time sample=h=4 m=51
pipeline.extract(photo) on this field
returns h=8 m=53
